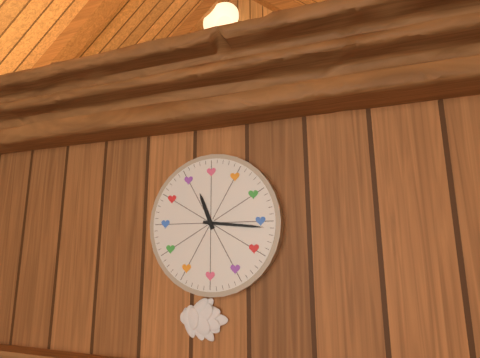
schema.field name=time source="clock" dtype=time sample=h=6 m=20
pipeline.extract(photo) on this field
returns h=11 m=16
